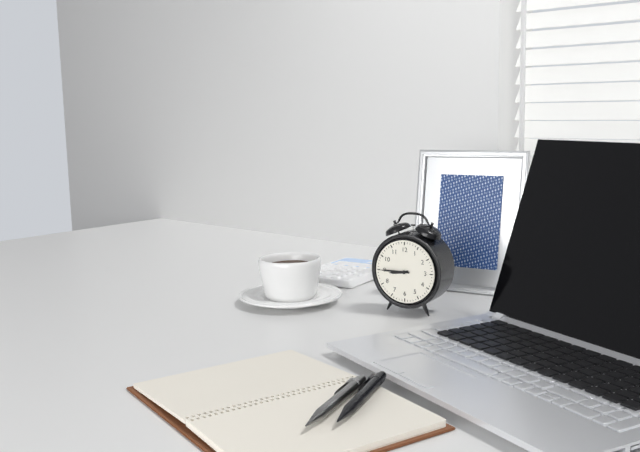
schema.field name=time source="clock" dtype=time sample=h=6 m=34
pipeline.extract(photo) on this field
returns h=8 m=45
